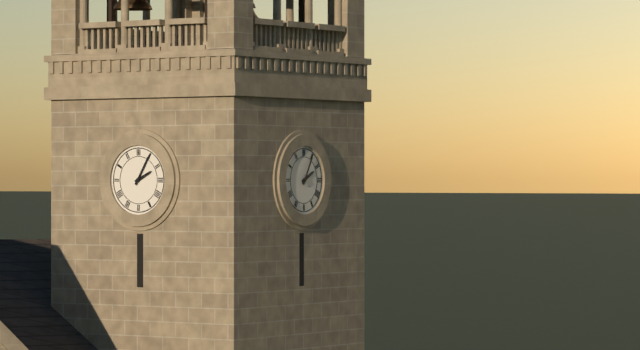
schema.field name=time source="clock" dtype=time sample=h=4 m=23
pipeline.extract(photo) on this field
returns h=2 m=5
